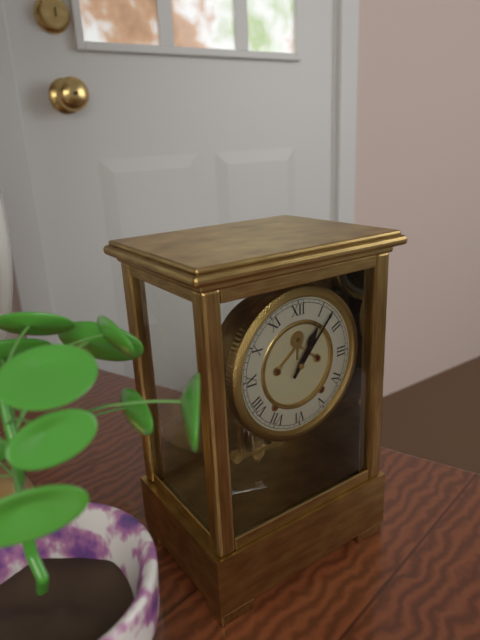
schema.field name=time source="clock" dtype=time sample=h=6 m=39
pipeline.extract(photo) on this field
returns h=1 m=7
